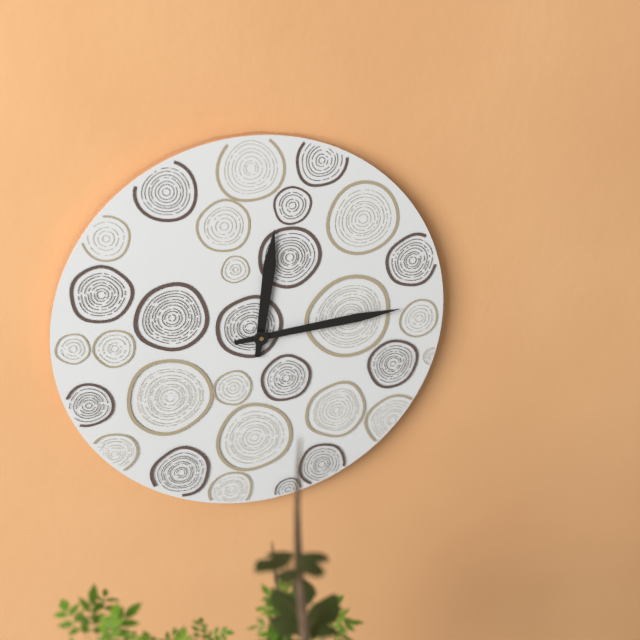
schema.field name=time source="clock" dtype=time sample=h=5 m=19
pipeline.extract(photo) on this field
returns h=12 m=14
